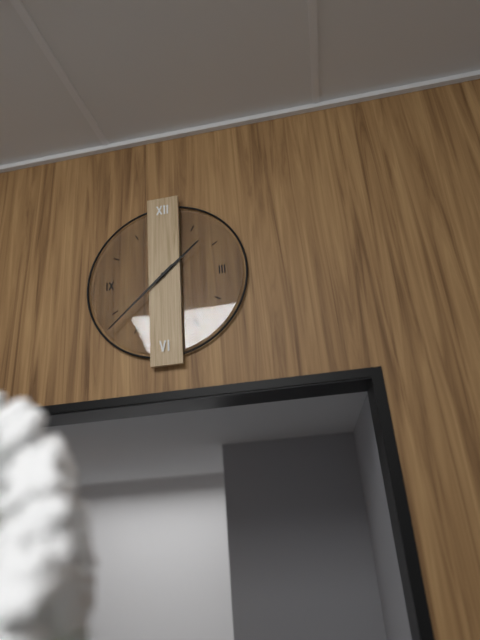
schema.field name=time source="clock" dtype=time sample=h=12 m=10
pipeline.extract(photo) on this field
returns h=1 m=38
